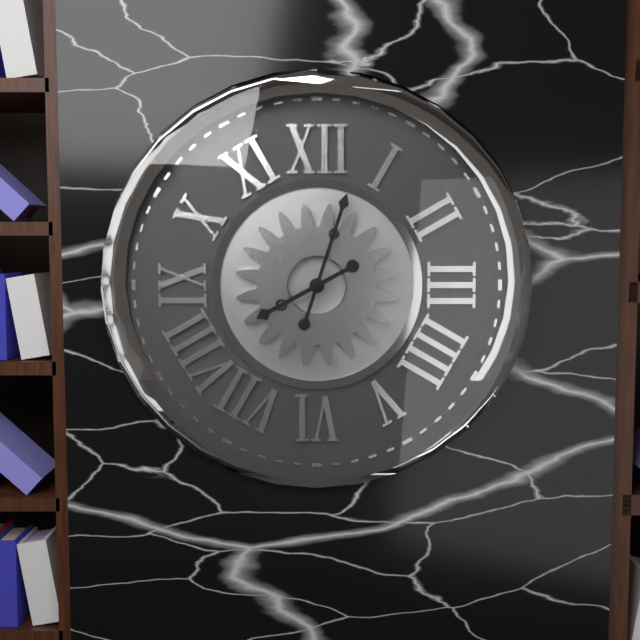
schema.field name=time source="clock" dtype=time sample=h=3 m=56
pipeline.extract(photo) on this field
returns h=8 m=3
